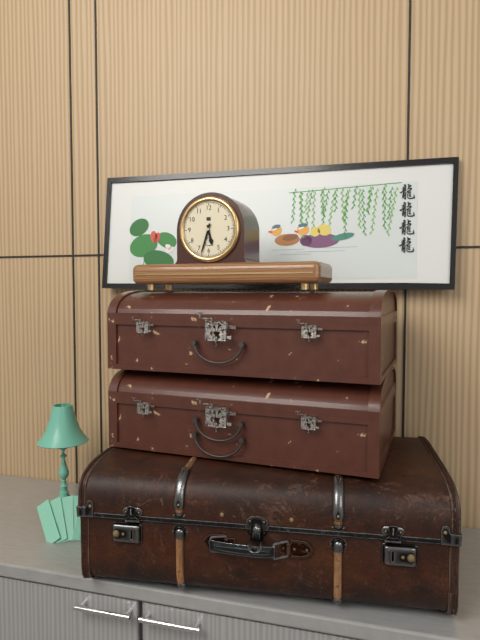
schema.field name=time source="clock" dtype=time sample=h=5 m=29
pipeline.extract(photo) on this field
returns h=5 m=33
